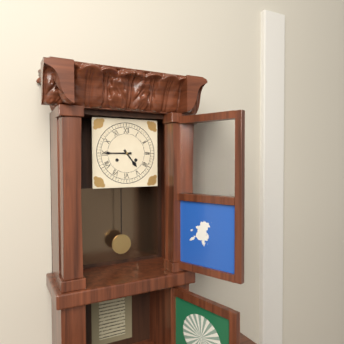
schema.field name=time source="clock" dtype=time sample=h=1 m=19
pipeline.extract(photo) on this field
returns h=4 m=45
